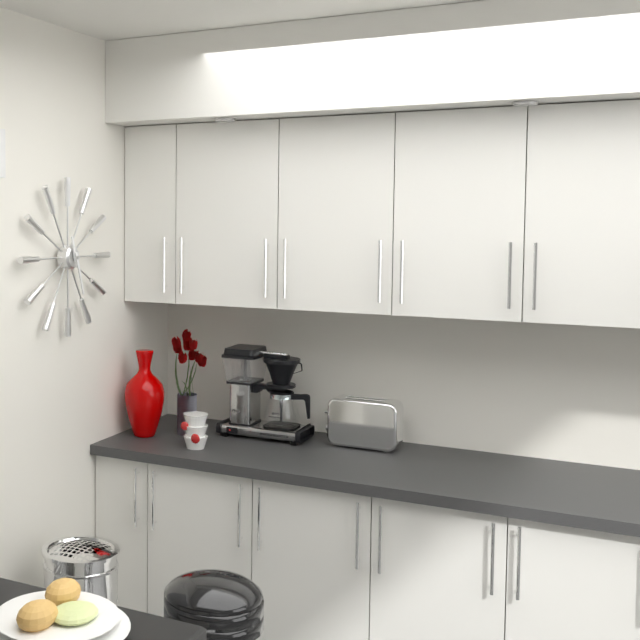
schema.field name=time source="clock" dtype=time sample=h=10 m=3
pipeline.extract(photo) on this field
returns h=11 m=27
